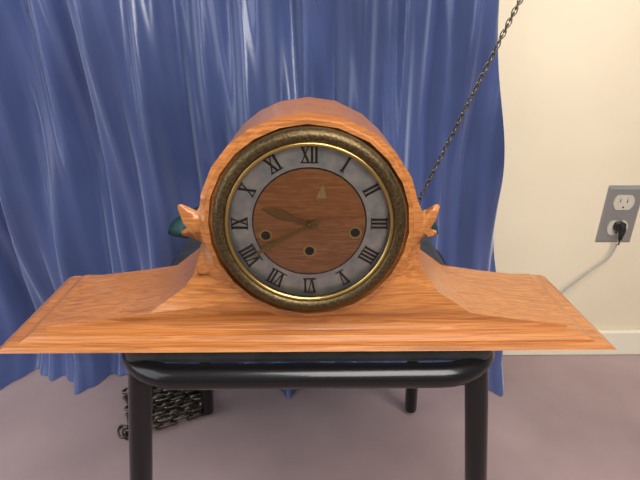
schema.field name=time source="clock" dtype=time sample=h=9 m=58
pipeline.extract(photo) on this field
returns h=9 m=40
